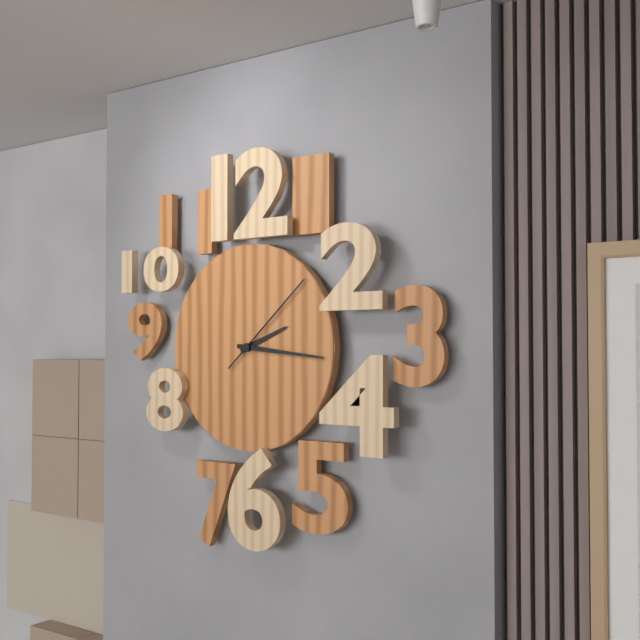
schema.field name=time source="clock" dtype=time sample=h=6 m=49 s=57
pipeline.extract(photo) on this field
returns h=2 m=16 s=8
